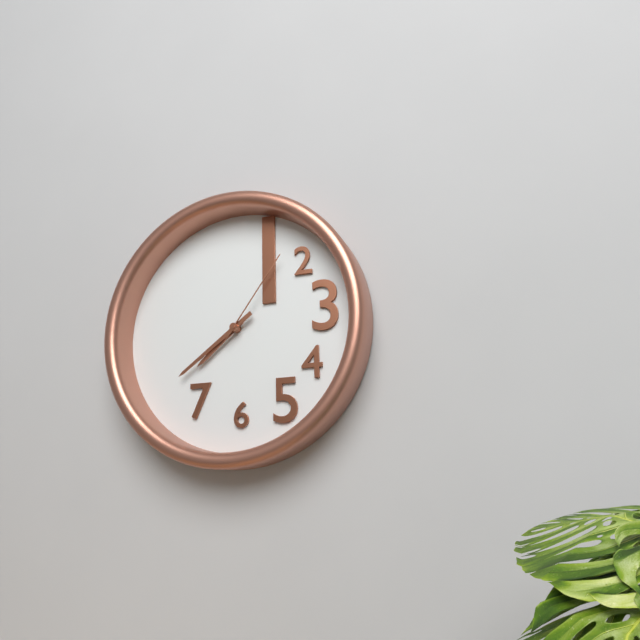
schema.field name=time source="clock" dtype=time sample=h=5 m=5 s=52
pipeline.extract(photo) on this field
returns h=7 m=39 s=6
